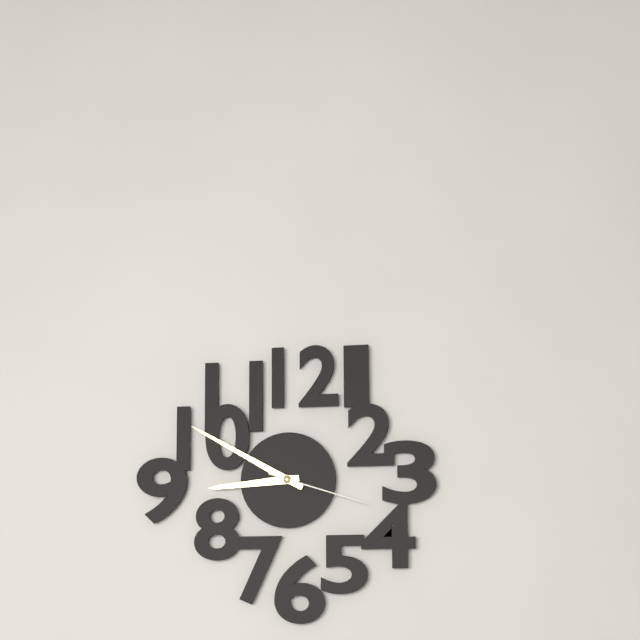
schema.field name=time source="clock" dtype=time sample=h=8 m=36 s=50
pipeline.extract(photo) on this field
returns h=8 m=50 s=18
